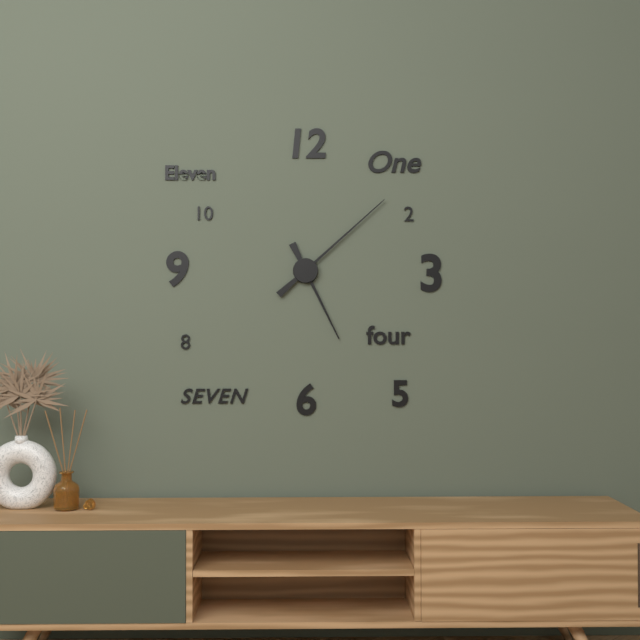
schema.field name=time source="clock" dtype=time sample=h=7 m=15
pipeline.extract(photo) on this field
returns h=5 m=8
